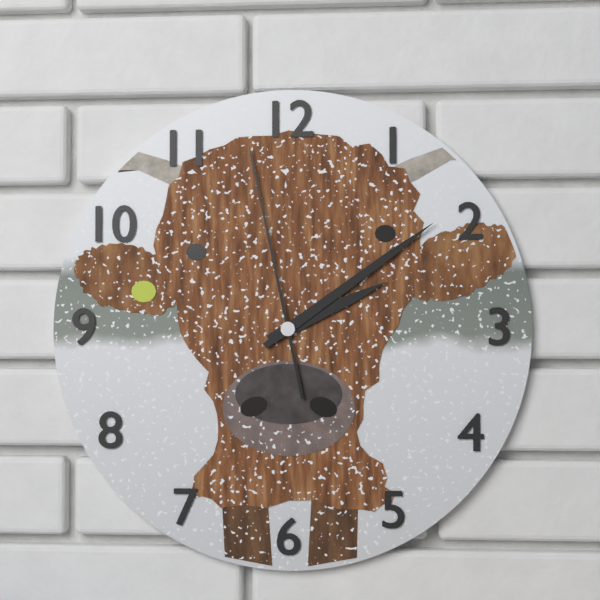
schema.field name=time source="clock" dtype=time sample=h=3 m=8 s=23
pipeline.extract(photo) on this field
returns h=2 m=9 s=58
